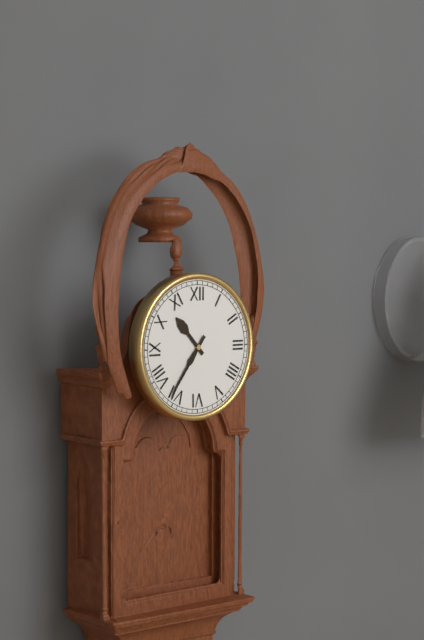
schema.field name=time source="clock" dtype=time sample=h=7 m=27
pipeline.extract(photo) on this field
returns h=10 m=36
